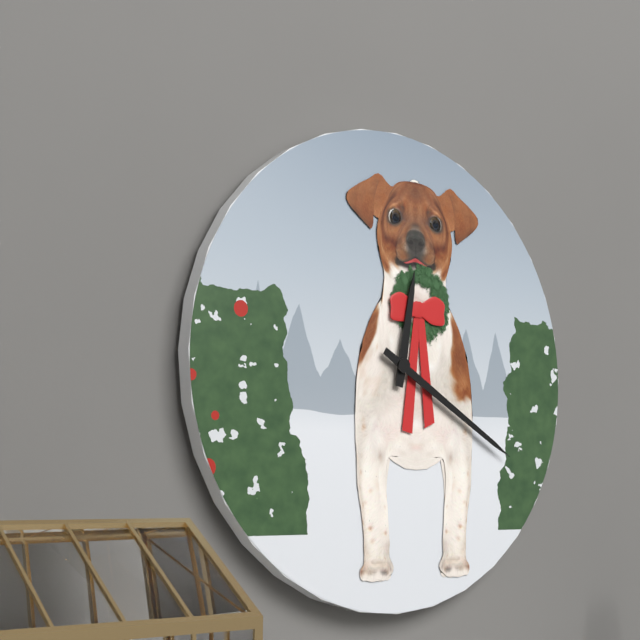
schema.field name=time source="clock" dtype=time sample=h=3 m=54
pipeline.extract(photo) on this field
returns h=12 m=20
